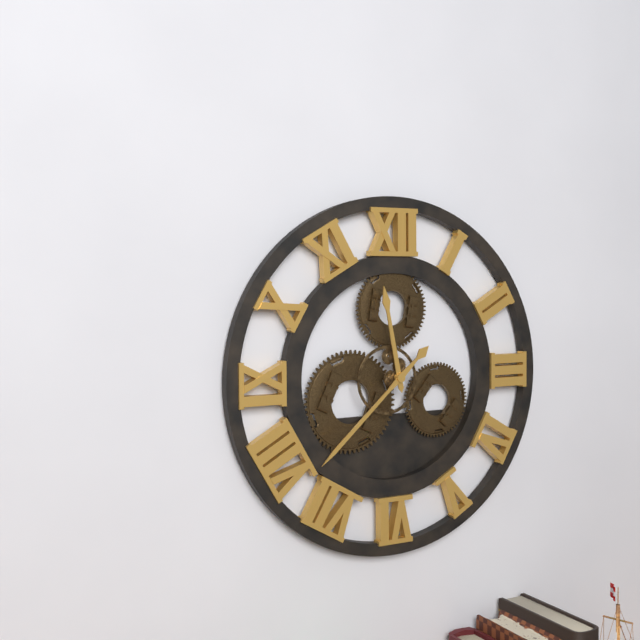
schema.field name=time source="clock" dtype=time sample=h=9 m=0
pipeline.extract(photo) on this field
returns h=11 m=38
